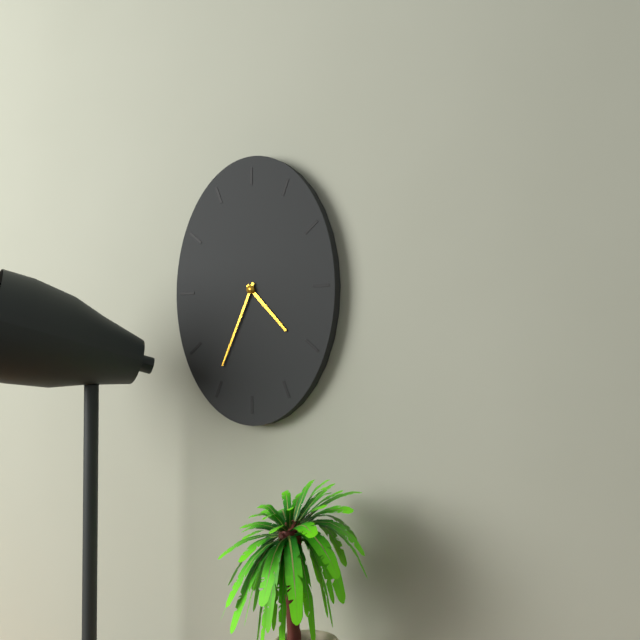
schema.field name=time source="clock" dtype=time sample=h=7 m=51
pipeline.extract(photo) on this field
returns h=4 m=34
